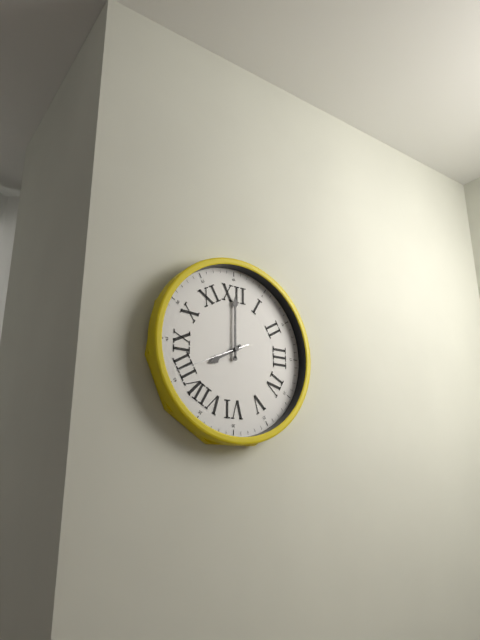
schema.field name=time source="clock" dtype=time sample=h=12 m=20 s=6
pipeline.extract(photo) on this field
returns h=8 m=0 s=41
